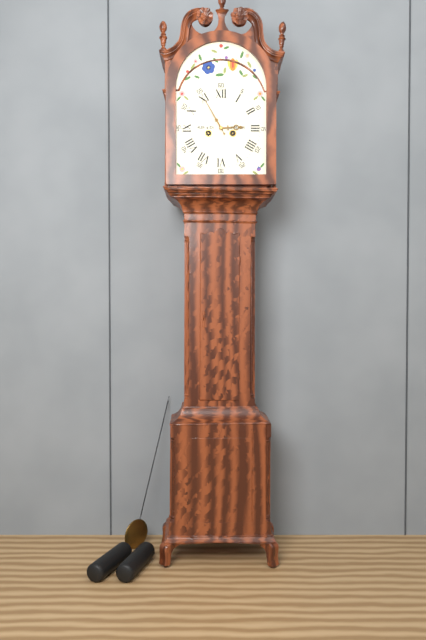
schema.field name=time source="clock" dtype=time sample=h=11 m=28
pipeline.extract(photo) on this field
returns h=2 m=55
